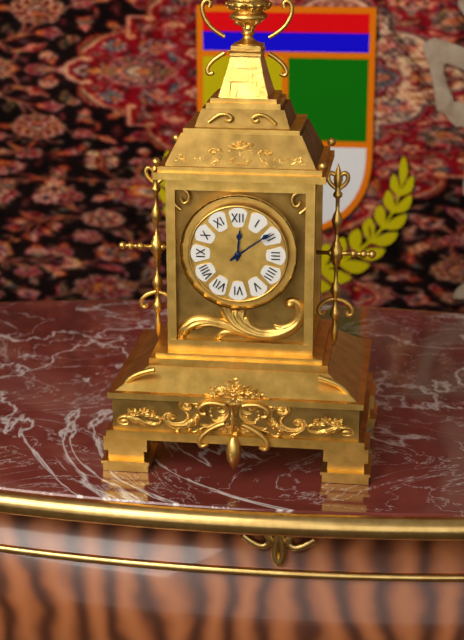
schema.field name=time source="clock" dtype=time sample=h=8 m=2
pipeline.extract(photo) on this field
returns h=12 m=9
